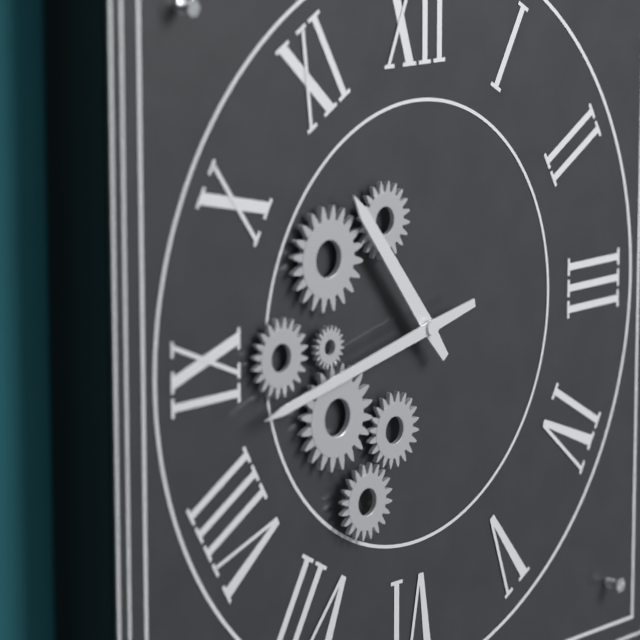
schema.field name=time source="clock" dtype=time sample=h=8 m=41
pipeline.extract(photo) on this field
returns h=10 m=43
